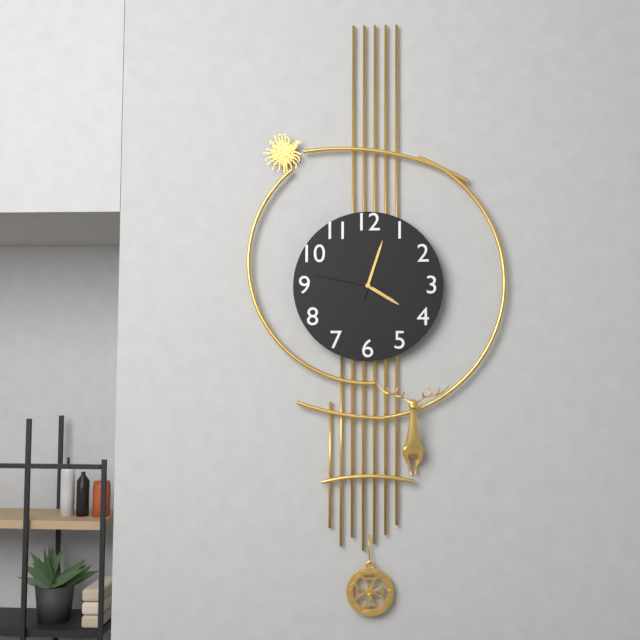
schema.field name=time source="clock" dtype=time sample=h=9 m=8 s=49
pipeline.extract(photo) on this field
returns h=4 m=3 s=47
